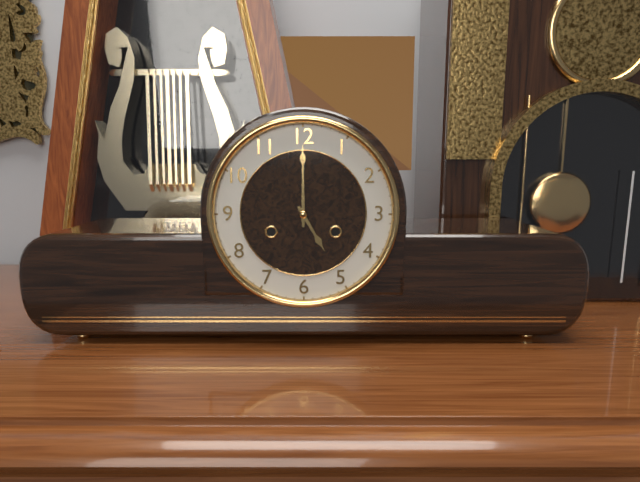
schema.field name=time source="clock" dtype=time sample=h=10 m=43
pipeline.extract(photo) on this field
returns h=5 m=0
